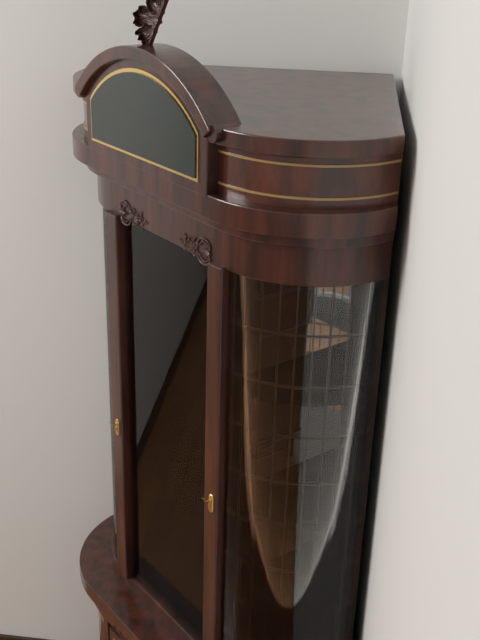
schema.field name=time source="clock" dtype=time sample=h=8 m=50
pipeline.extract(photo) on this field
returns h=2 m=25
